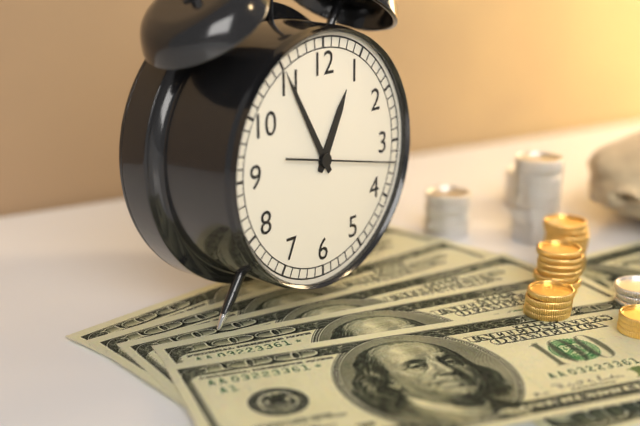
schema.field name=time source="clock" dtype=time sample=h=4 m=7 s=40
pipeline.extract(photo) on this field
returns h=12 m=55 s=17
